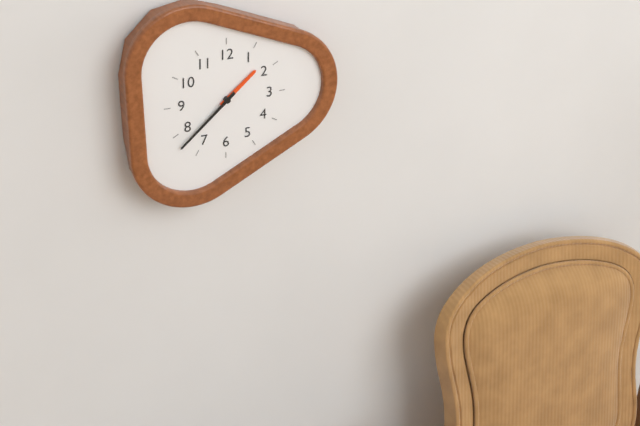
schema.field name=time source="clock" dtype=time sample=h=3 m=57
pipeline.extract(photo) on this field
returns h=1 m=38
